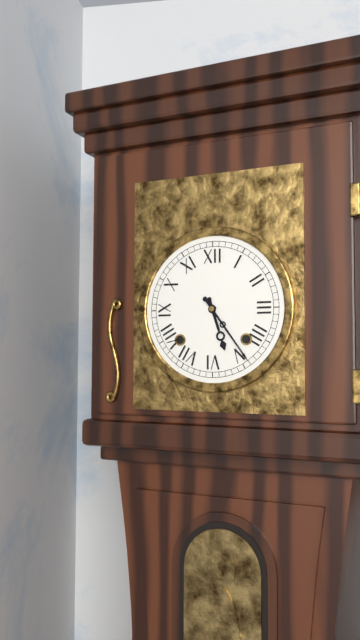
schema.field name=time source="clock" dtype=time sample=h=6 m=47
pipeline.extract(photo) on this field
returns h=5 m=24
